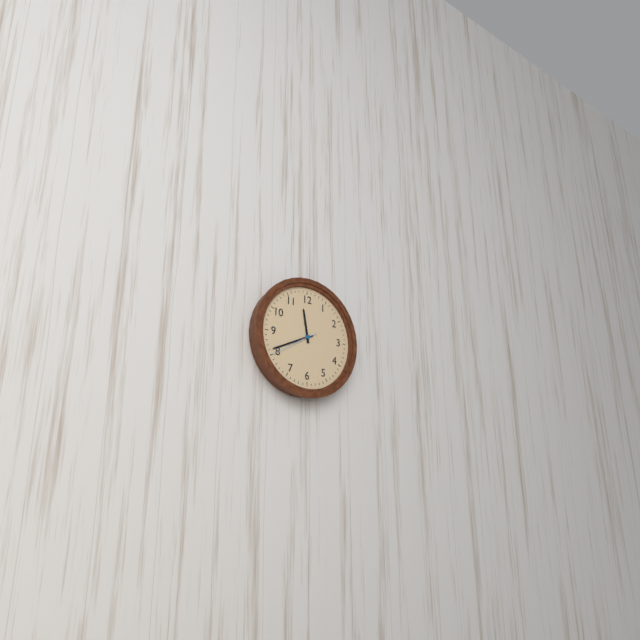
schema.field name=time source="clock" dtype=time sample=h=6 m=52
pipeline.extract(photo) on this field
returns h=11 m=41
